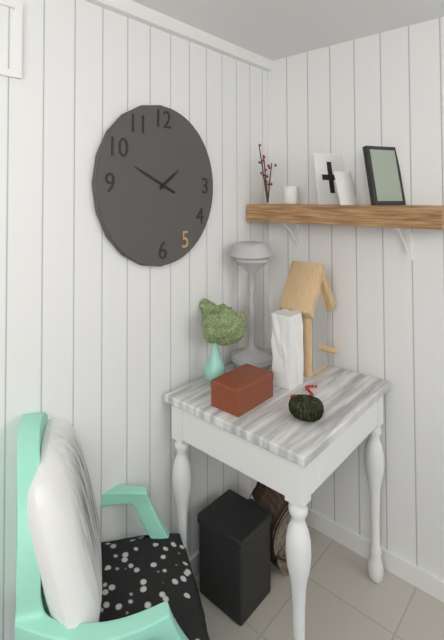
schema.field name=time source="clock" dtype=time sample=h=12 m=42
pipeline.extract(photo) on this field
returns h=1 m=49
